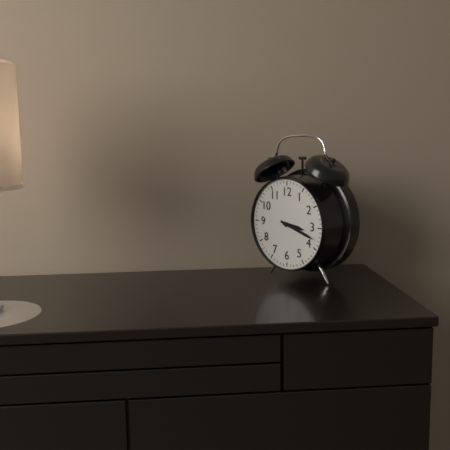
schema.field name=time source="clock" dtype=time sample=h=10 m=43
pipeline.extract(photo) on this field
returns h=3 m=18
